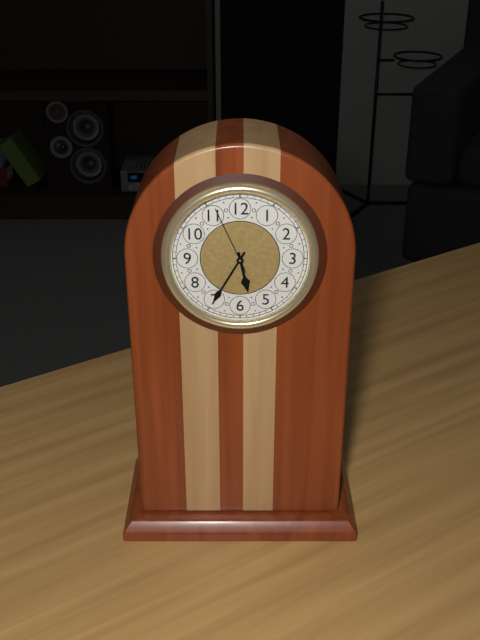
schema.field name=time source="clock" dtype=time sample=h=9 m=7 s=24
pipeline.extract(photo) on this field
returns h=5 m=35 s=56
